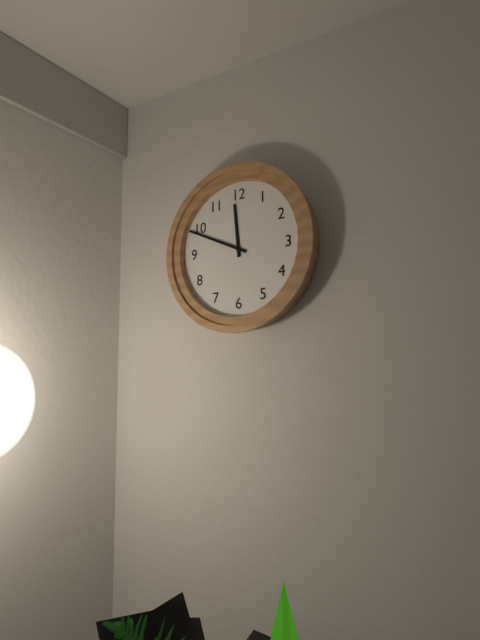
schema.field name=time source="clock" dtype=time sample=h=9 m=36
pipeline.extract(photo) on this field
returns h=11 m=49
